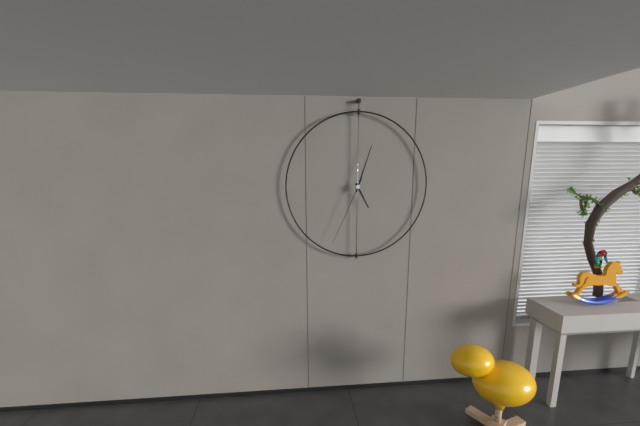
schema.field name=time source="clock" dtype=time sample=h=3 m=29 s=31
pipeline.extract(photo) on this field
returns h=5 m=3 s=34
